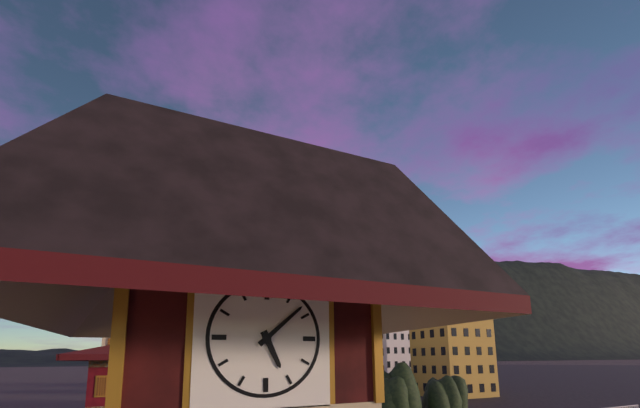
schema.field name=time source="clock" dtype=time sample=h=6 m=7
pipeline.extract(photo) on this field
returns h=5 m=8
